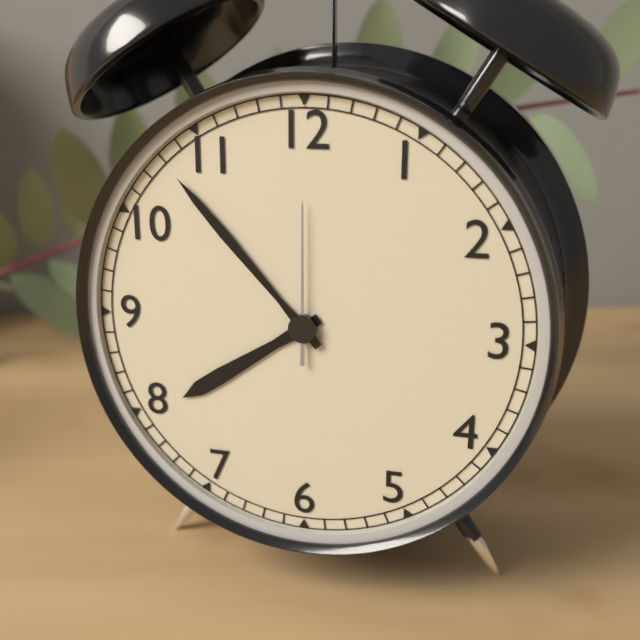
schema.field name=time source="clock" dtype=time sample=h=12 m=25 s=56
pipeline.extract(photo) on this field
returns h=7 m=53 s=0
